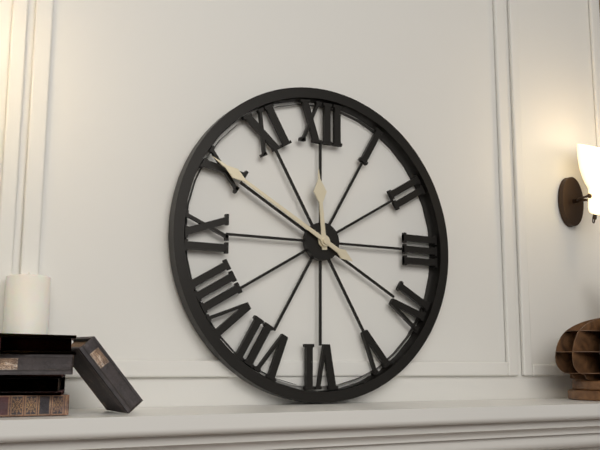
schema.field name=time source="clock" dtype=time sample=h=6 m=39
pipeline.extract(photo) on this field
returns h=11 m=50
